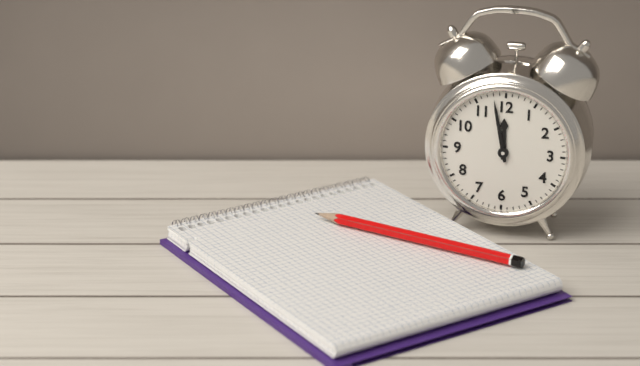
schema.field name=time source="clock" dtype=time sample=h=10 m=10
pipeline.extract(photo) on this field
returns h=11 m=58
